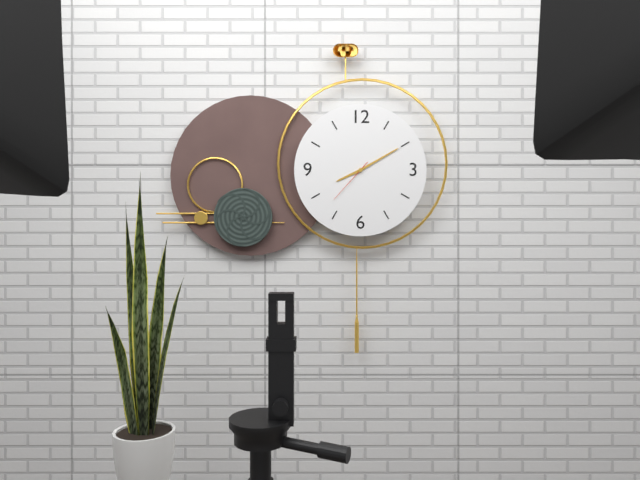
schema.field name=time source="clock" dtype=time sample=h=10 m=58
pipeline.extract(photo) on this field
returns h=8 m=10
